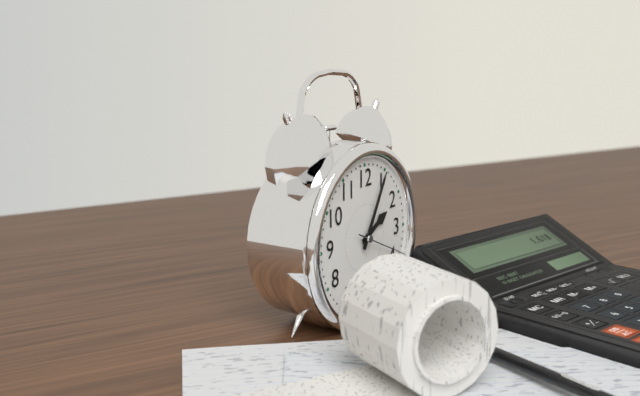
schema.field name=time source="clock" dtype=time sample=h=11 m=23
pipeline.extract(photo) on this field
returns h=2 m=5
